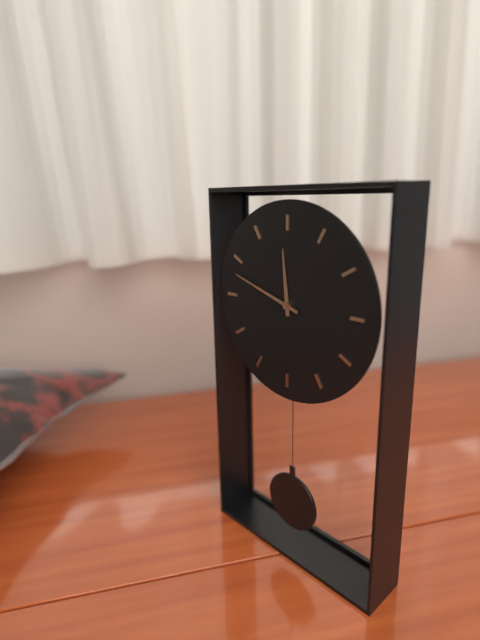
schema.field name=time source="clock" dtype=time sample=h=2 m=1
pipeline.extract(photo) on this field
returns h=11 m=48
